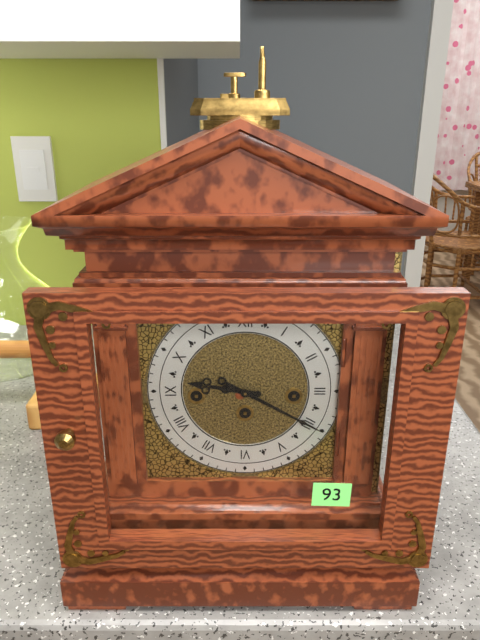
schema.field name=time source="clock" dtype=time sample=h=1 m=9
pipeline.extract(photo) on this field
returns h=9 m=20
